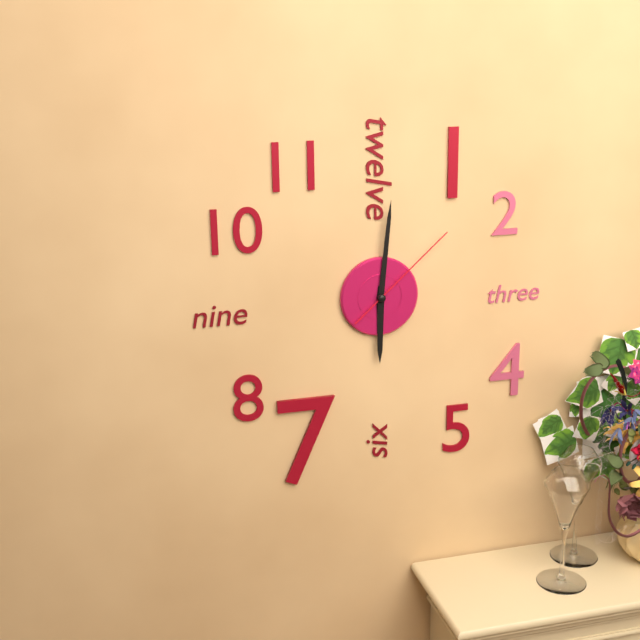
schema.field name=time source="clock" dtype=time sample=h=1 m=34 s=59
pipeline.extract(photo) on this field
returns h=6 m=1 s=8
